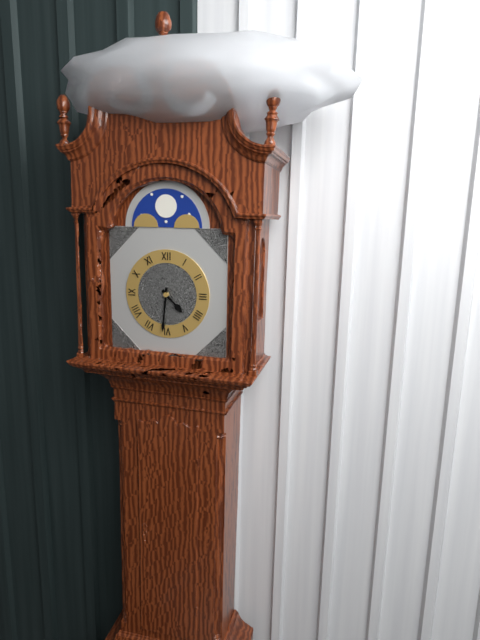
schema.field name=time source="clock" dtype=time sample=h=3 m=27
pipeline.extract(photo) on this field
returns h=4 m=31
